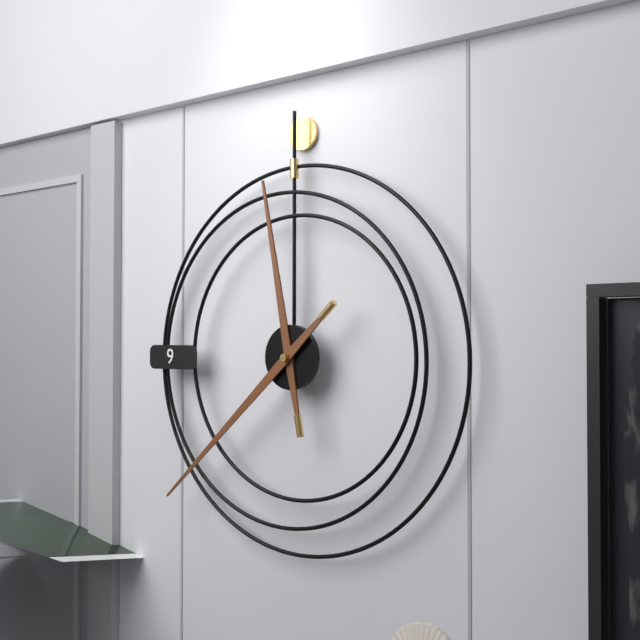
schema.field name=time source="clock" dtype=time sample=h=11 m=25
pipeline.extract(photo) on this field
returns h=11 m=38
